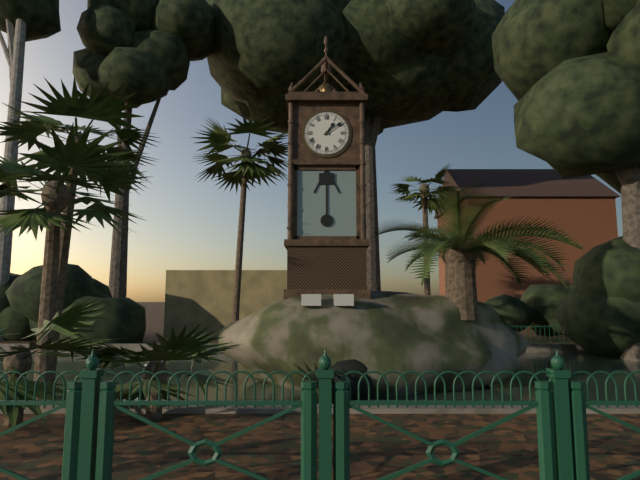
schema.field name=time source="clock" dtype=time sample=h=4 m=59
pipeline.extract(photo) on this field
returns h=1 m=9
